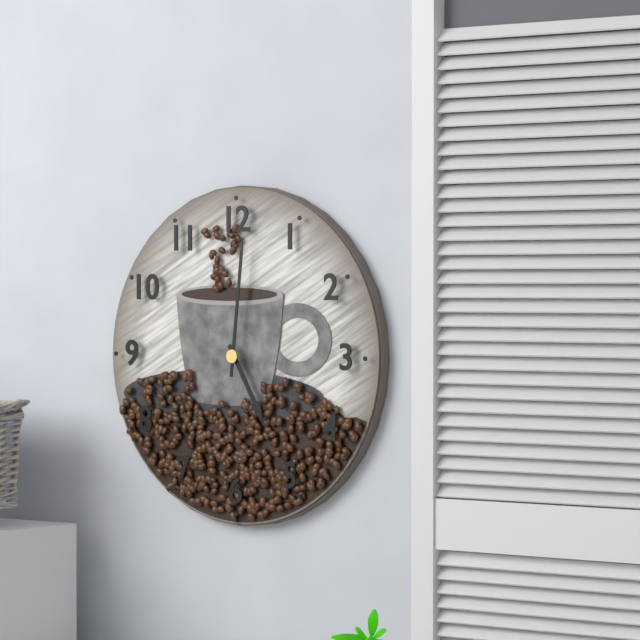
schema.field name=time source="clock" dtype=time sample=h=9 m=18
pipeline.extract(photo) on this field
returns h=5 m=1
